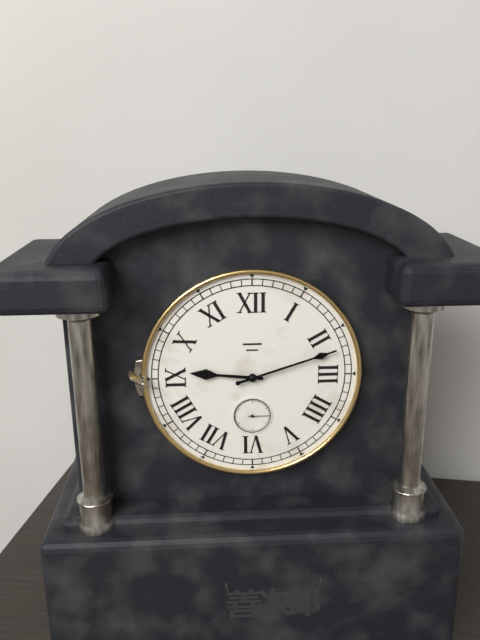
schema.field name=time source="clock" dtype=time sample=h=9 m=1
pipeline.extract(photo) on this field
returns h=9 m=12
